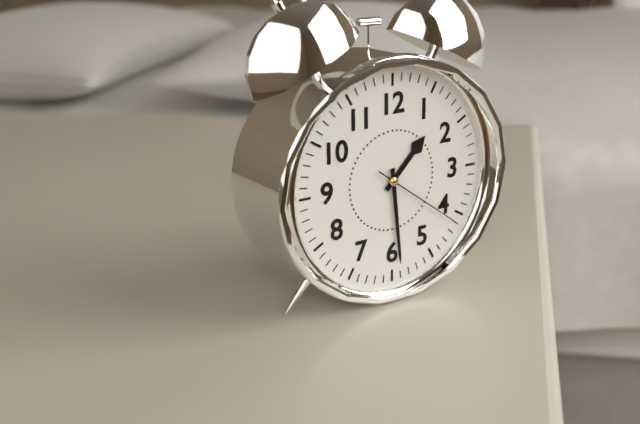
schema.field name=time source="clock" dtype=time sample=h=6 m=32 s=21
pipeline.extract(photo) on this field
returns h=1 m=29 s=21
